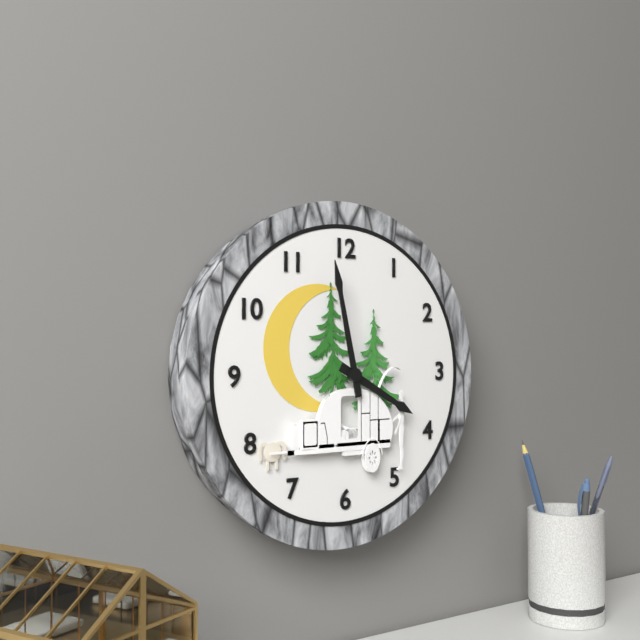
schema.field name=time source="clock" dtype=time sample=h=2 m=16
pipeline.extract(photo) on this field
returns h=3 m=58
